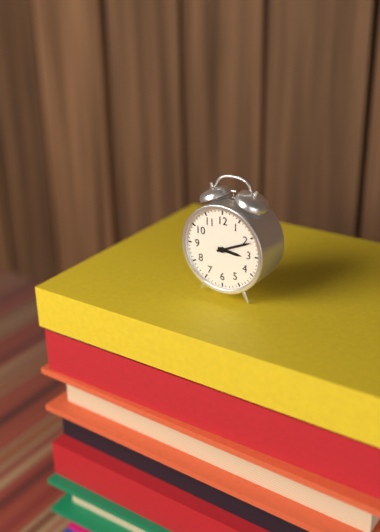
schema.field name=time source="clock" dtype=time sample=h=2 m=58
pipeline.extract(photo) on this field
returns h=3 m=11
